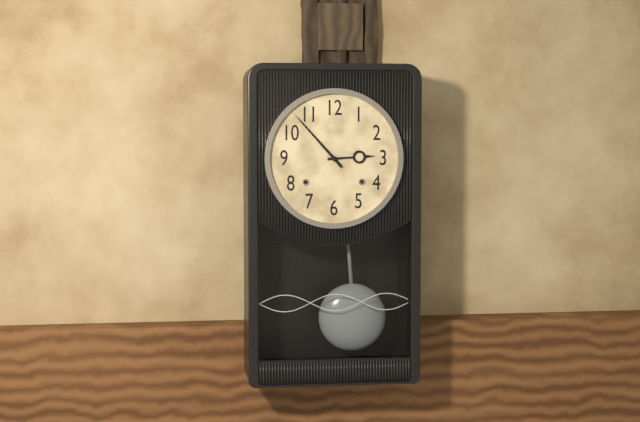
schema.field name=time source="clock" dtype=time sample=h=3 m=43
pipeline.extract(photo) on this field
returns h=2 m=53
